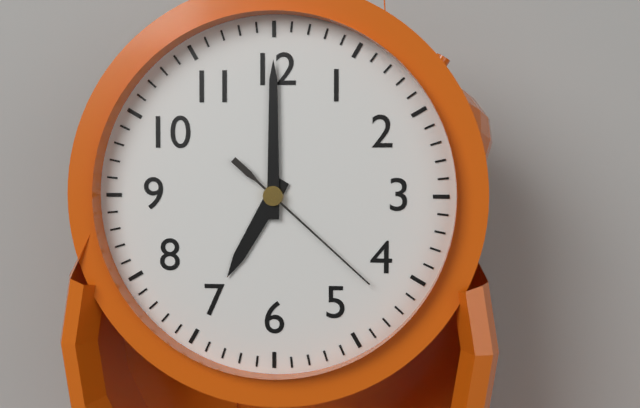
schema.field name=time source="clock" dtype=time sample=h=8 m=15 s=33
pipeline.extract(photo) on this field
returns h=7 m=0 s=22
